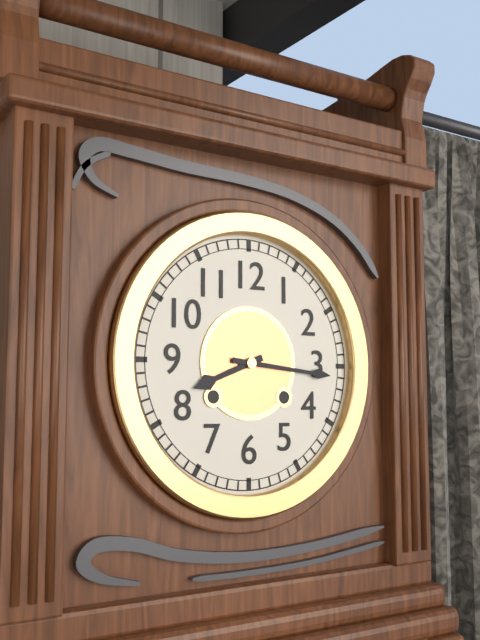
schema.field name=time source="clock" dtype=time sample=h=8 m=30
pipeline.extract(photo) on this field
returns h=8 m=16
